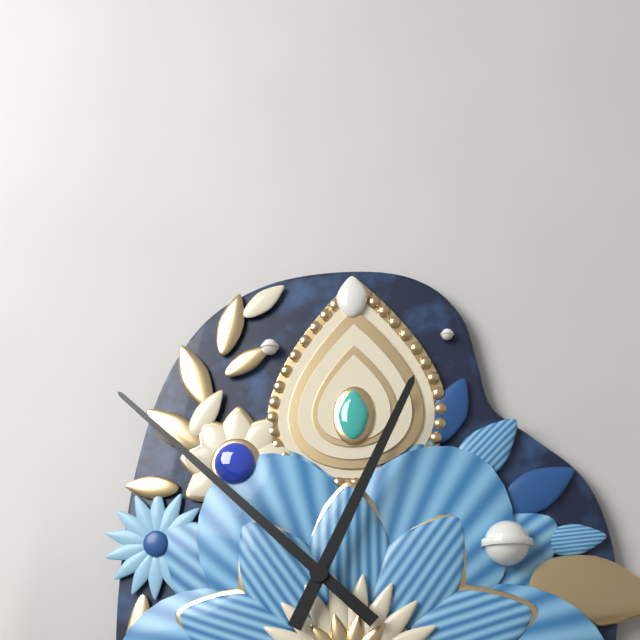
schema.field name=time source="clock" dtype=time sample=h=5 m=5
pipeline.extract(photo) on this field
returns h=12 m=52
